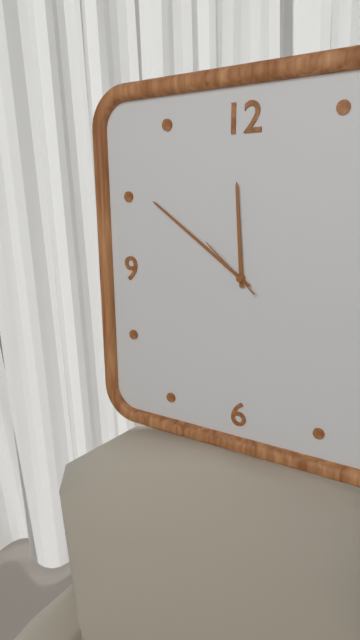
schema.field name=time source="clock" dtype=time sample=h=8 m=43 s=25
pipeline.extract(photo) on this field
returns h=11 m=51 s=52
